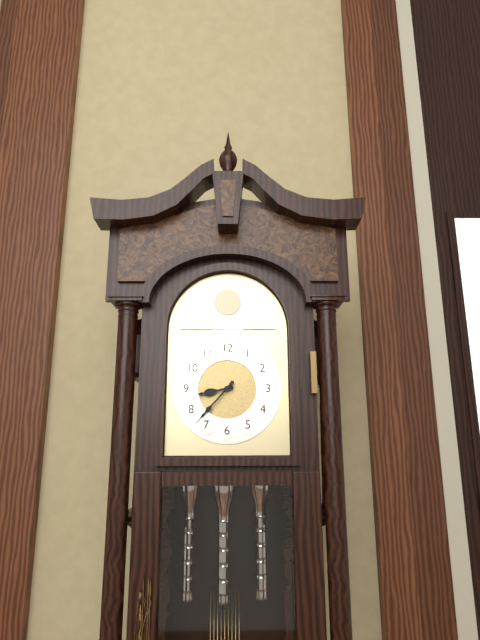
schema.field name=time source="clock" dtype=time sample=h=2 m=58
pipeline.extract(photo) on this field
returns h=8 m=37
